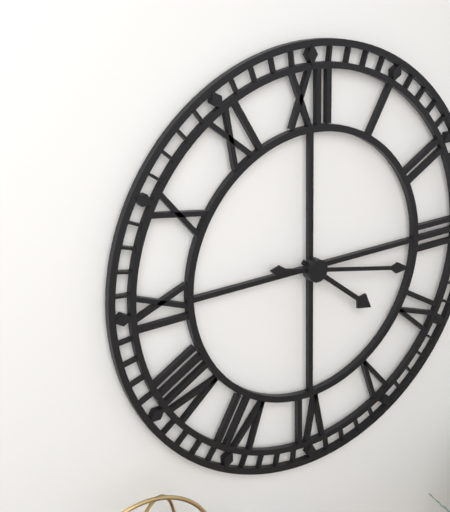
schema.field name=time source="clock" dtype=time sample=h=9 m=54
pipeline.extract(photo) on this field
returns h=4 m=17
